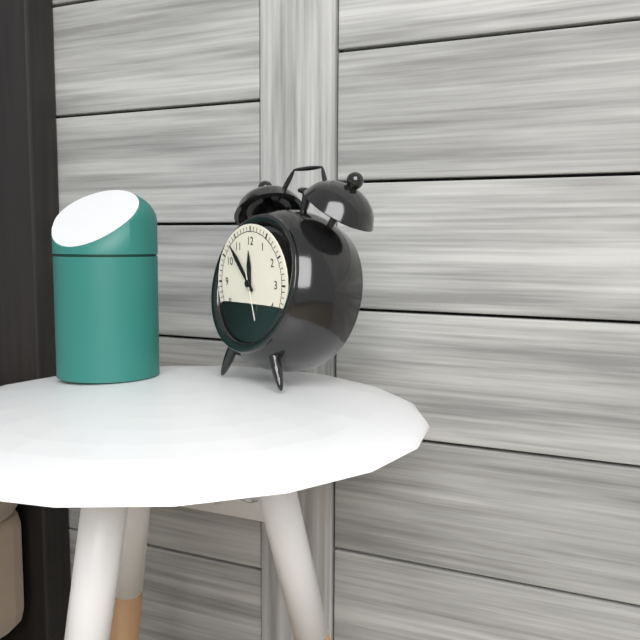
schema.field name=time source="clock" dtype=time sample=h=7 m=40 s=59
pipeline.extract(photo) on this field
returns h=11 m=53 s=27
